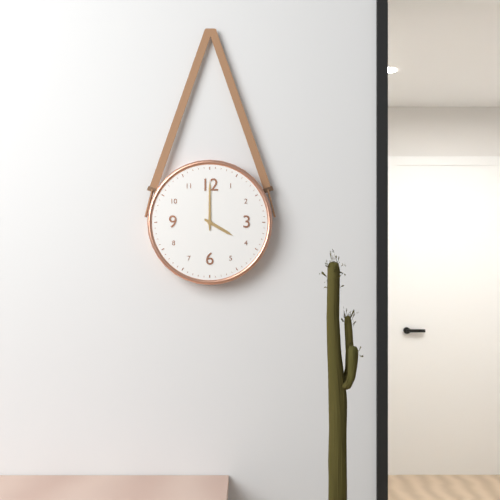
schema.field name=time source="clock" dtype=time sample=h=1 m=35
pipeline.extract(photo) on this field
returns h=4 m=0
